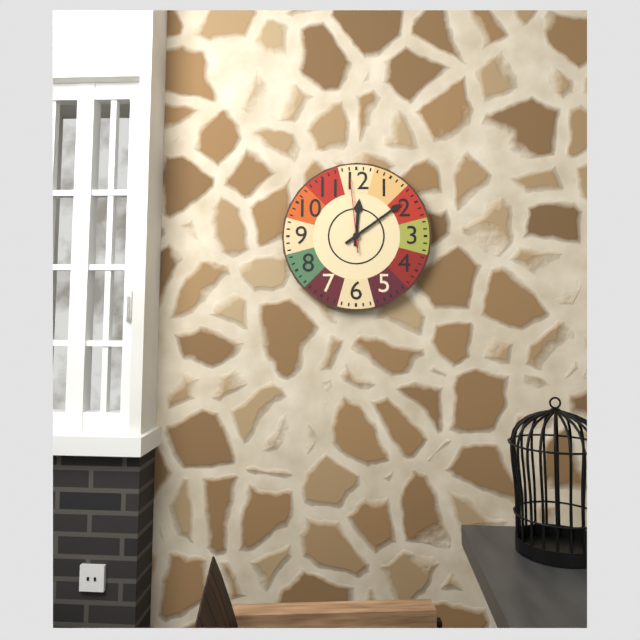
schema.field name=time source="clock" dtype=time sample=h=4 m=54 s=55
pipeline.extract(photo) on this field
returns h=12 m=9 s=59
